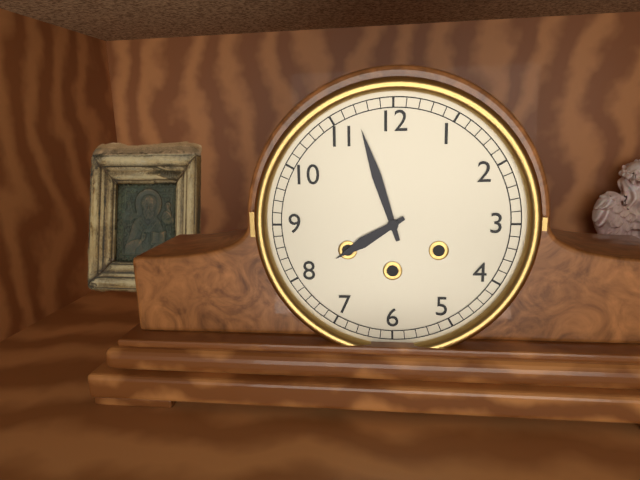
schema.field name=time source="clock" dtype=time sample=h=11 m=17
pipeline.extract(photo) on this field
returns h=7 m=57
